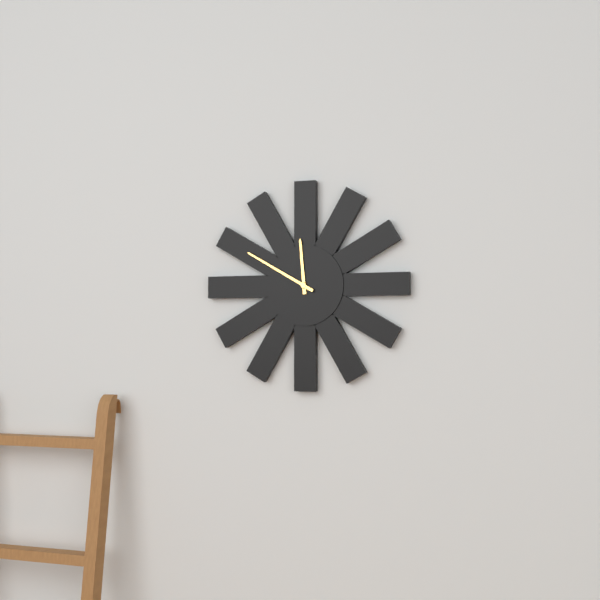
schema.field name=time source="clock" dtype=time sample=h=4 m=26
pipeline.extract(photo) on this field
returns h=11 m=50
